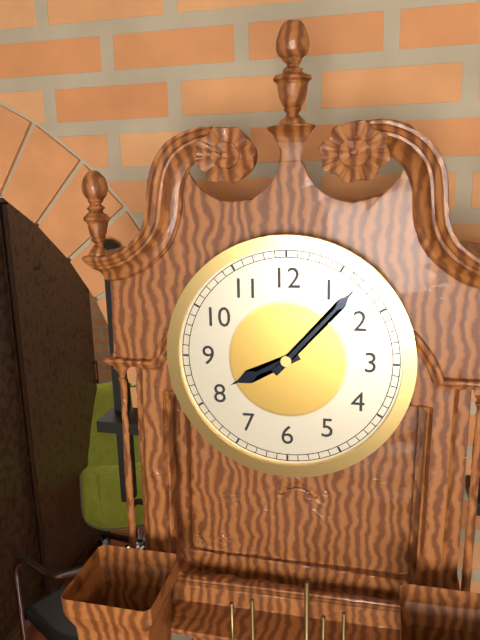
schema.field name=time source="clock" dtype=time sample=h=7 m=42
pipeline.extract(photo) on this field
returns h=8 m=7
